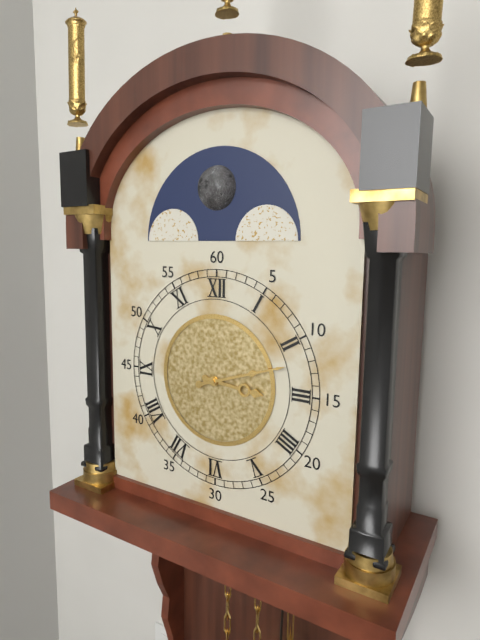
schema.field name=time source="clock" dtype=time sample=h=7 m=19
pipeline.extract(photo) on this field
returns h=3 m=12
